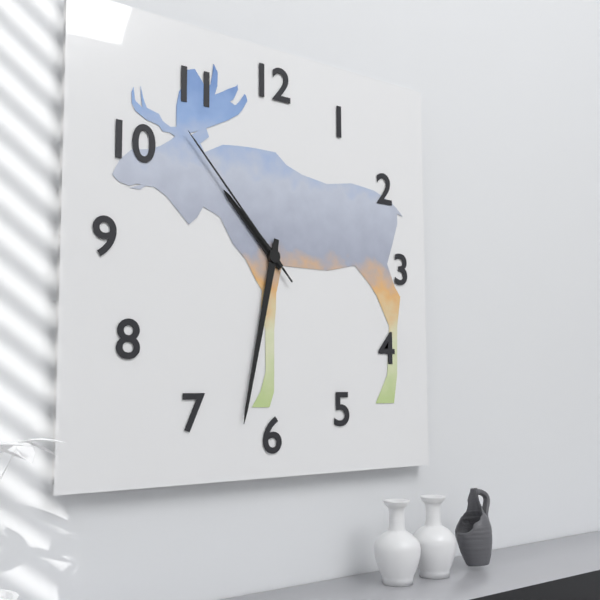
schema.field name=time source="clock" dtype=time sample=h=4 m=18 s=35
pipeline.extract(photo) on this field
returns h=10 m=32 s=53
